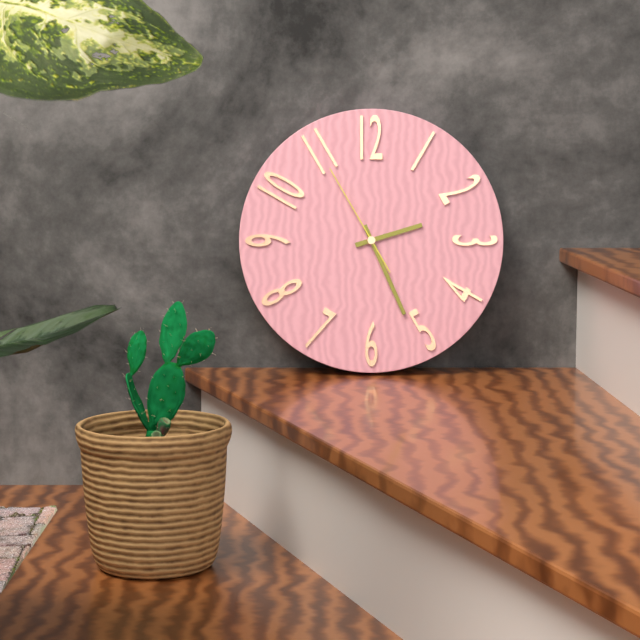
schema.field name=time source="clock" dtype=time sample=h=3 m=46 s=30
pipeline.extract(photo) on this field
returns h=2 m=26 s=55
